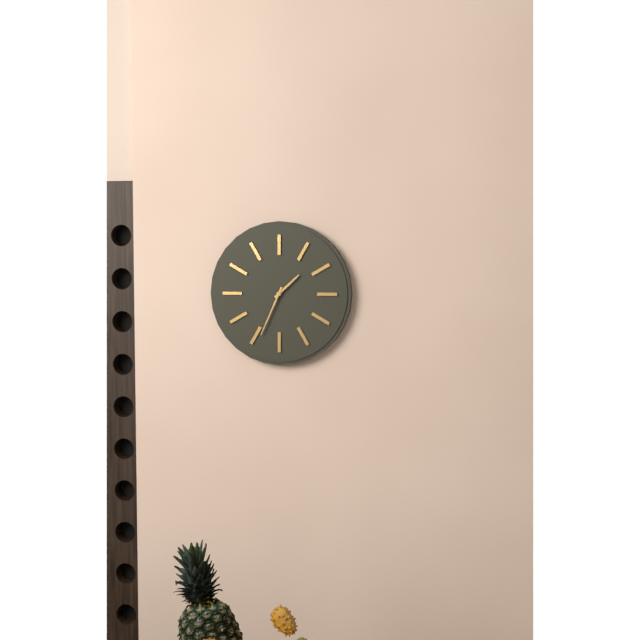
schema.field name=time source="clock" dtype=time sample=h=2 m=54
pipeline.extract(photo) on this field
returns h=1 m=34
